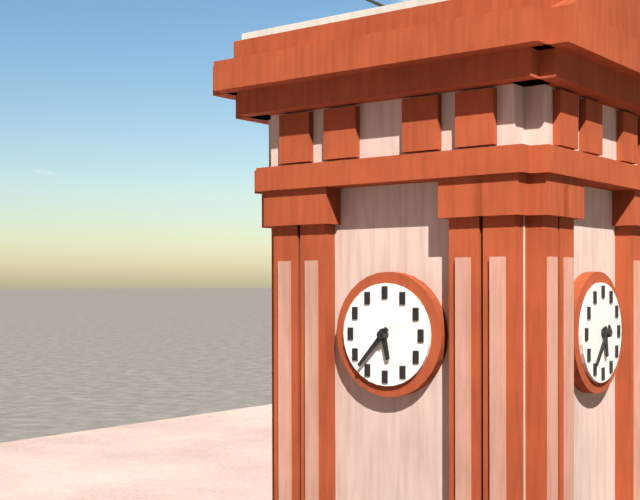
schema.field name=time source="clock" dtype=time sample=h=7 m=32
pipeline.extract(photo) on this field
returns h=5 m=37
